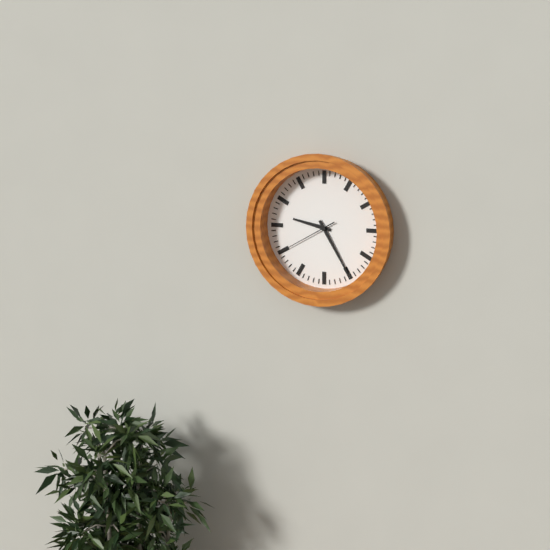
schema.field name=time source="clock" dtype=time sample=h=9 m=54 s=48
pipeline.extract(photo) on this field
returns h=9 m=25 s=40
